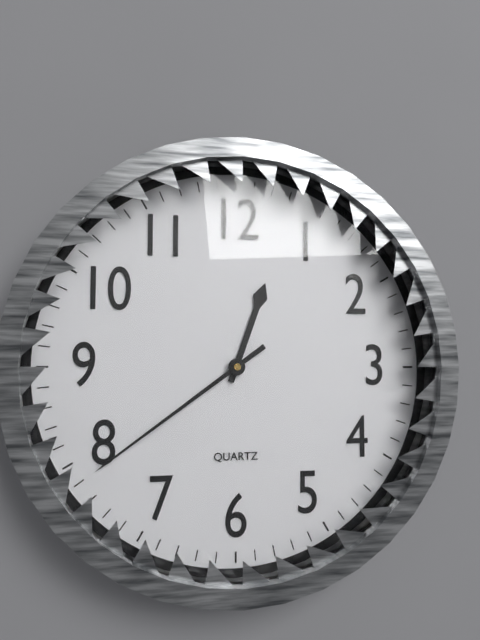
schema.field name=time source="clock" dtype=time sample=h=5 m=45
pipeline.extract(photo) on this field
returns h=12 m=39
